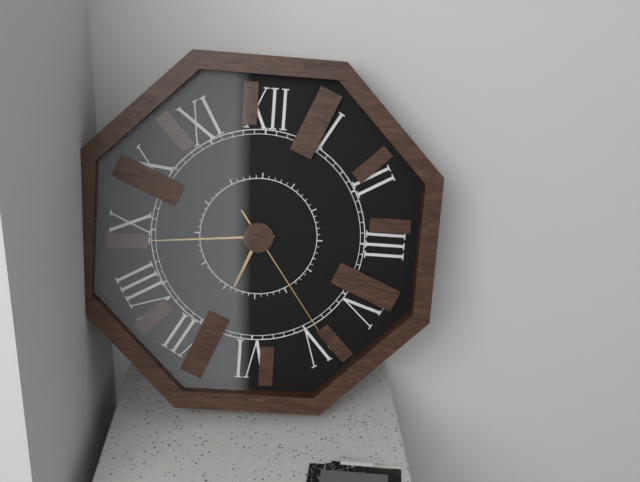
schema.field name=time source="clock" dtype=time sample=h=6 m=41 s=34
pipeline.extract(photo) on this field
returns h=6 m=44 s=24
